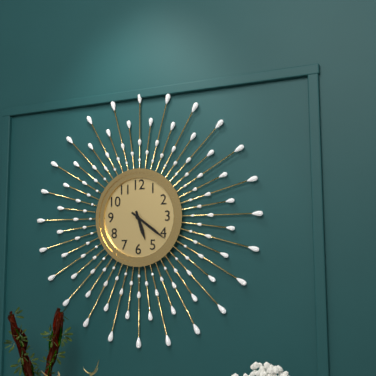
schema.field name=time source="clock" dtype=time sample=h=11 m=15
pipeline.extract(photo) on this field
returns h=5 m=21
